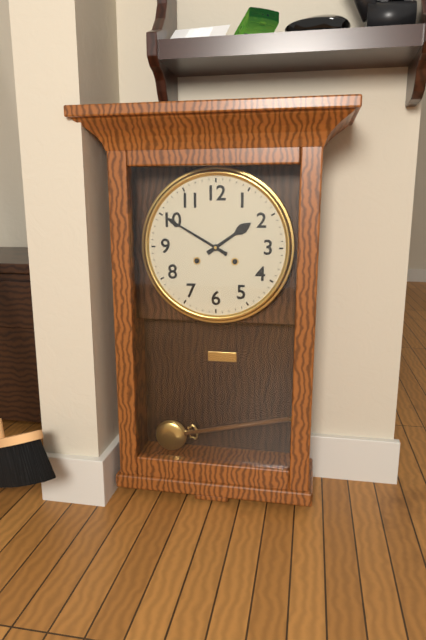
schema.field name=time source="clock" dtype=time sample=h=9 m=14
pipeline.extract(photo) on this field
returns h=1 m=50
